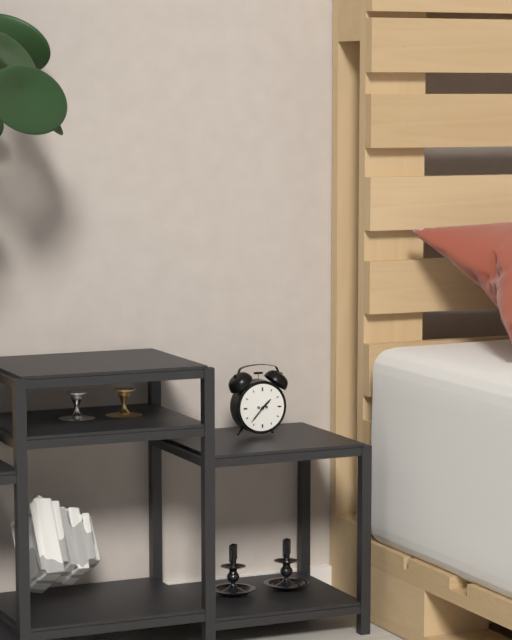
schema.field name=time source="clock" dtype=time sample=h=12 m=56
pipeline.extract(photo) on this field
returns h=1 m=37
